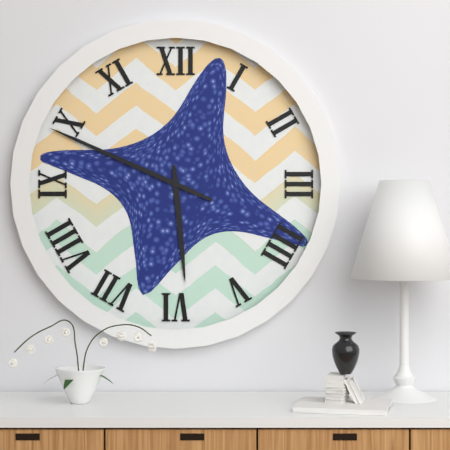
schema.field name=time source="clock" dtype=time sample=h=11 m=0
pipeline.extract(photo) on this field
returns h=5 m=49
